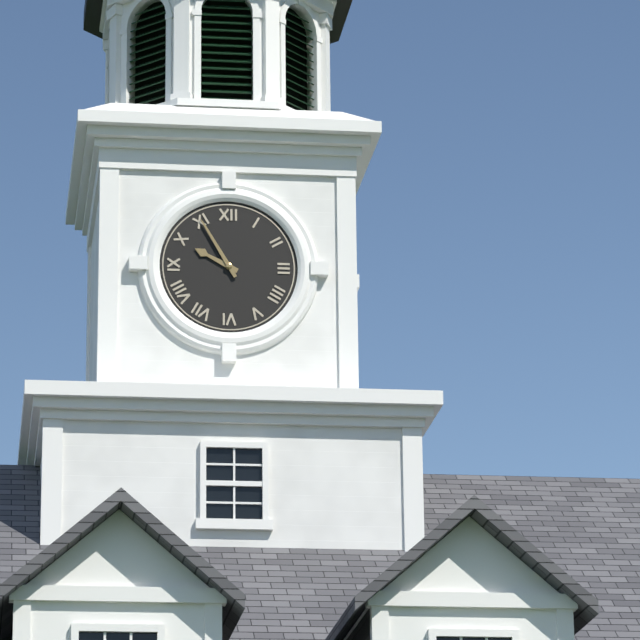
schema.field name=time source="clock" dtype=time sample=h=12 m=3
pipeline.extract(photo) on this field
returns h=9 m=55
